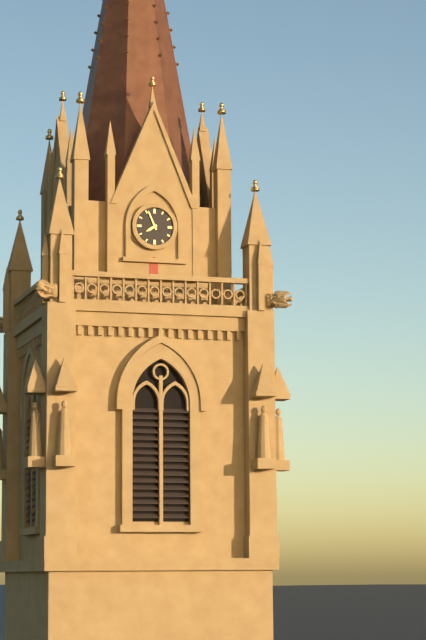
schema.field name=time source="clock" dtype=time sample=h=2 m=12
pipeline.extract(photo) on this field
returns h=7 m=56
